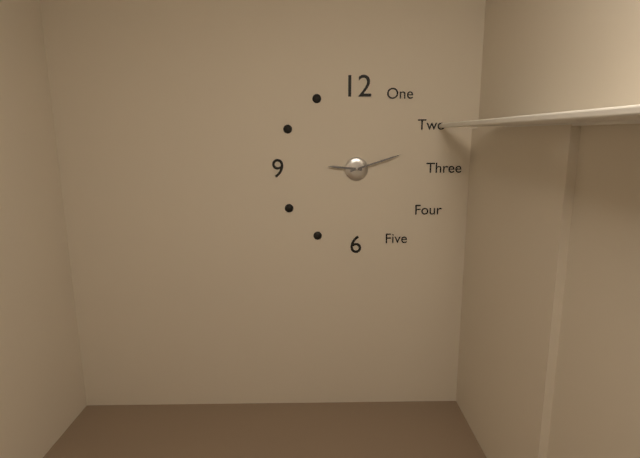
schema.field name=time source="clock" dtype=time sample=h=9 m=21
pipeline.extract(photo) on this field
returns h=9 m=12
